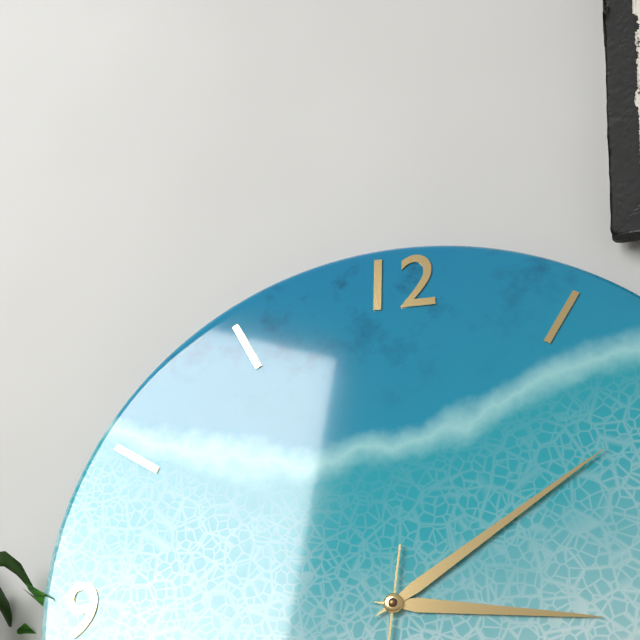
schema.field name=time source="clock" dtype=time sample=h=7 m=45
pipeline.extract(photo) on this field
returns h=3 m=9
